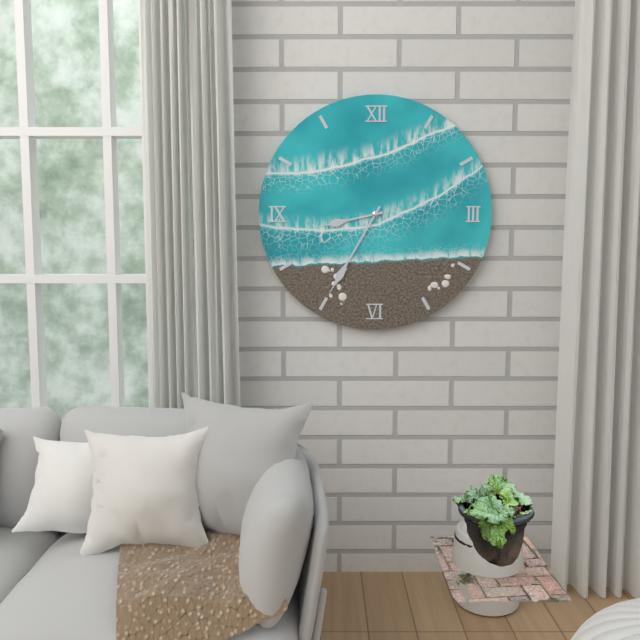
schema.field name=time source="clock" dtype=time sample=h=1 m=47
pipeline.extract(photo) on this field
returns h=8 m=35
